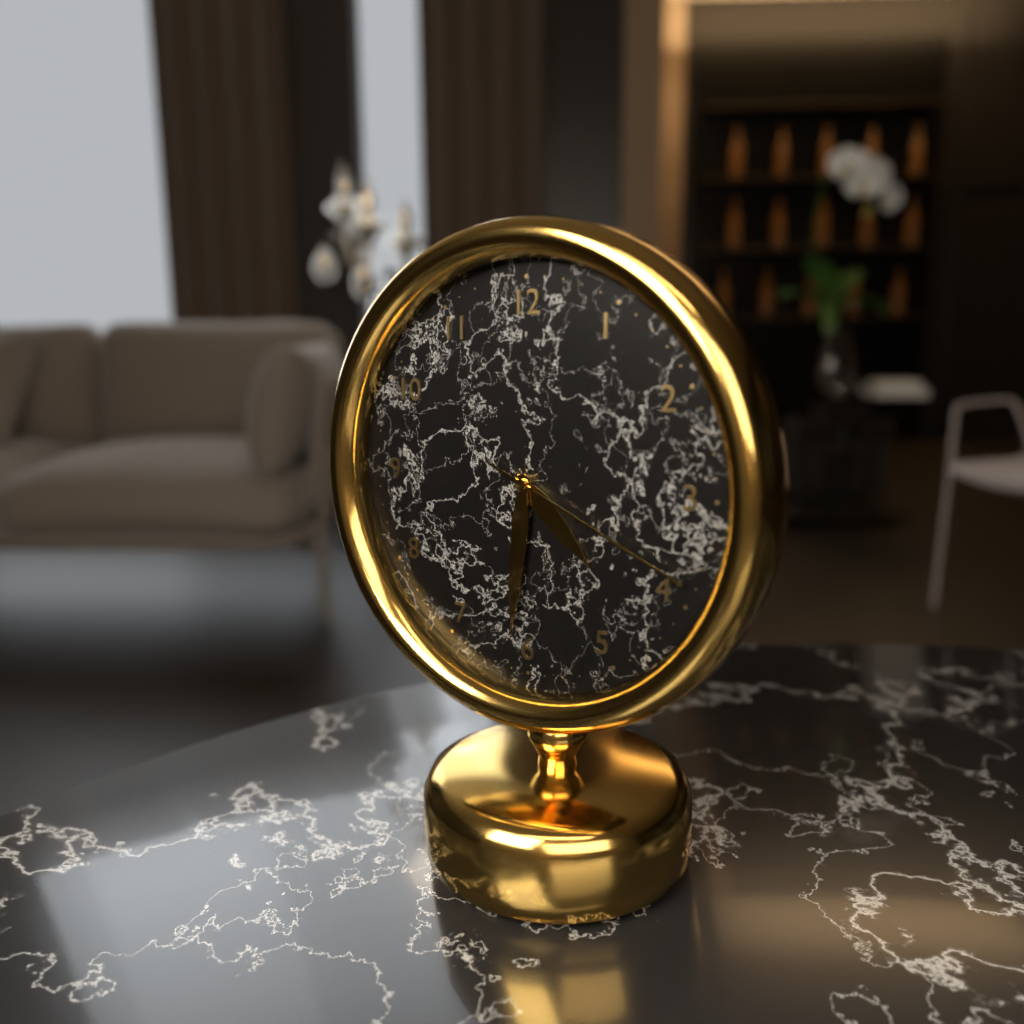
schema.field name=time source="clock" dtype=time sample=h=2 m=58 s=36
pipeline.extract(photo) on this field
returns h=4 m=31 s=19
